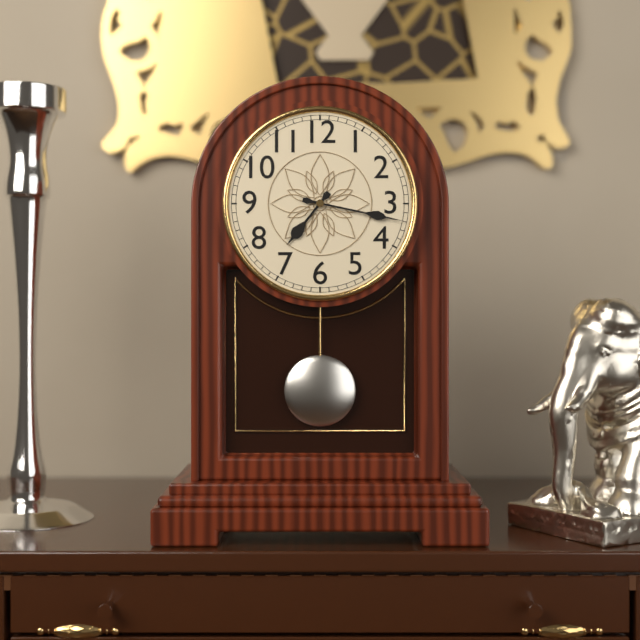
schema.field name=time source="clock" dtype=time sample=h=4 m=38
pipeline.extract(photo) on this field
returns h=7 m=17
